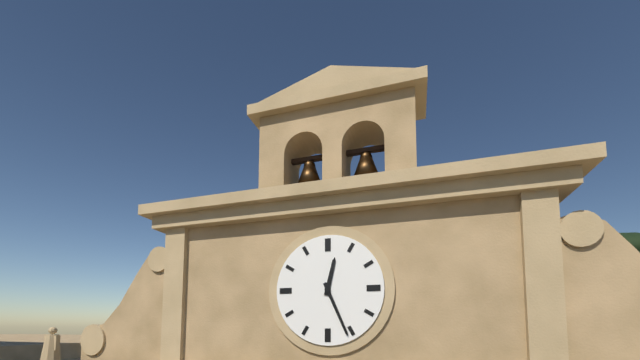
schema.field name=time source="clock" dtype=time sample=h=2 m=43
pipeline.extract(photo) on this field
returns h=12 m=26
